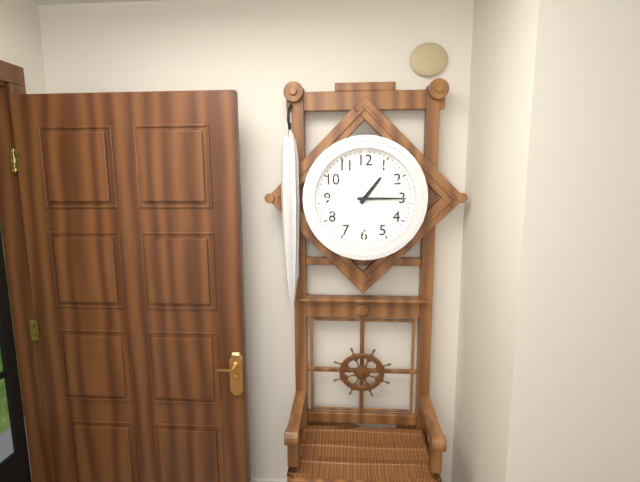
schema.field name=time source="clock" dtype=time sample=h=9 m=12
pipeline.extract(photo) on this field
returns h=1 m=15
